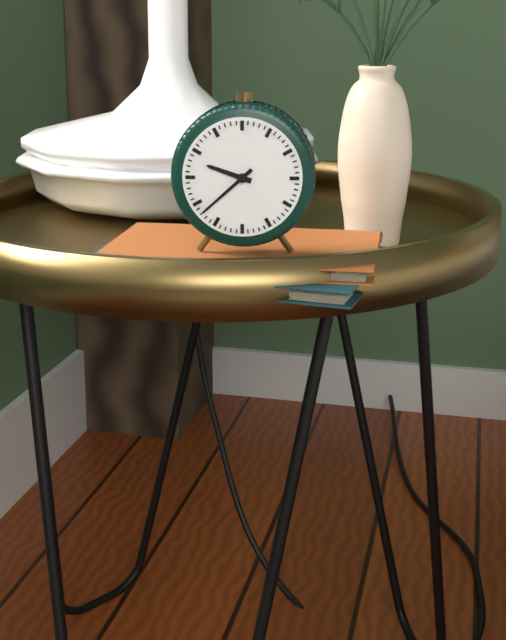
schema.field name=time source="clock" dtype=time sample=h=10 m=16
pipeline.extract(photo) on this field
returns h=9 m=38
